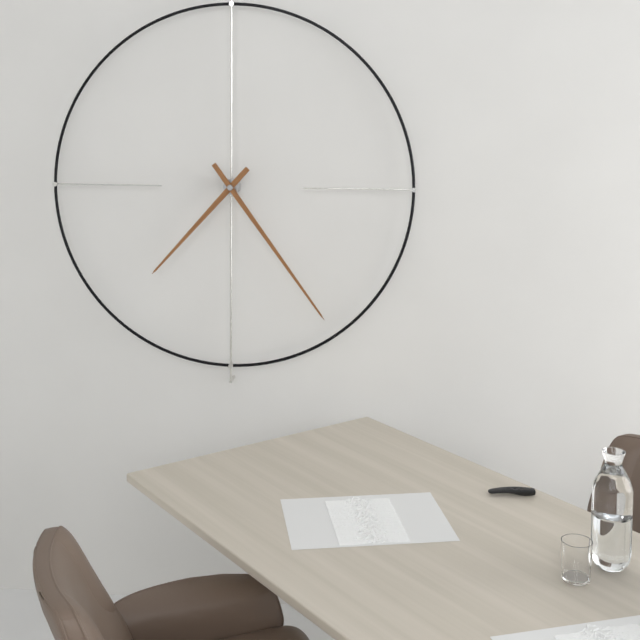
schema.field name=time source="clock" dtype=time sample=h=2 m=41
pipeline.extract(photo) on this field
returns h=7 m=24
